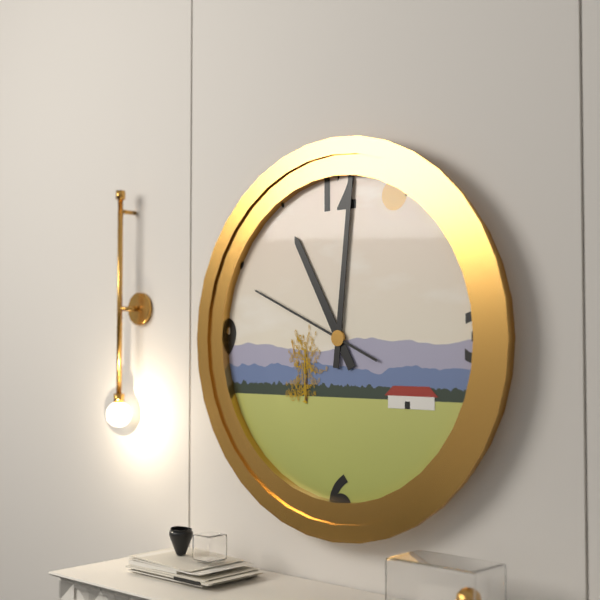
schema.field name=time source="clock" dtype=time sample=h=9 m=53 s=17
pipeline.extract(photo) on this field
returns h=11 m=1 s=49
